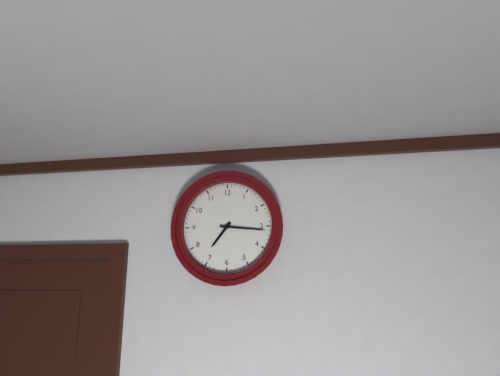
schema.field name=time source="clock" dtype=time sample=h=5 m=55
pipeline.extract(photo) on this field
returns h=7 m=16
